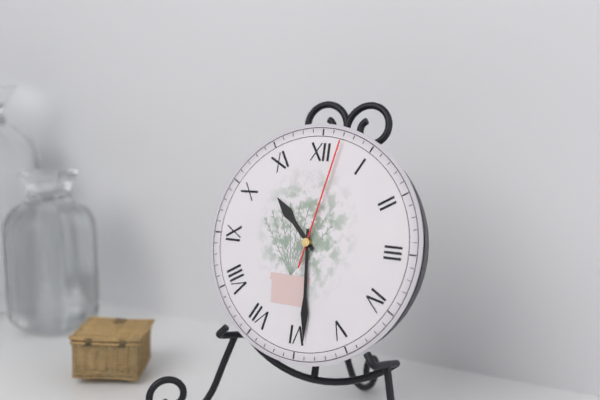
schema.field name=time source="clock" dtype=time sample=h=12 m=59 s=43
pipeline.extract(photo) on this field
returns h=10 m=29 s=2
